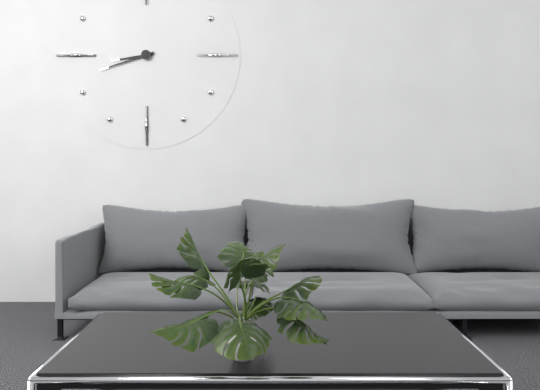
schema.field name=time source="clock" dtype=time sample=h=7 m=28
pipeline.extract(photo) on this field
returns h=8 m=42
